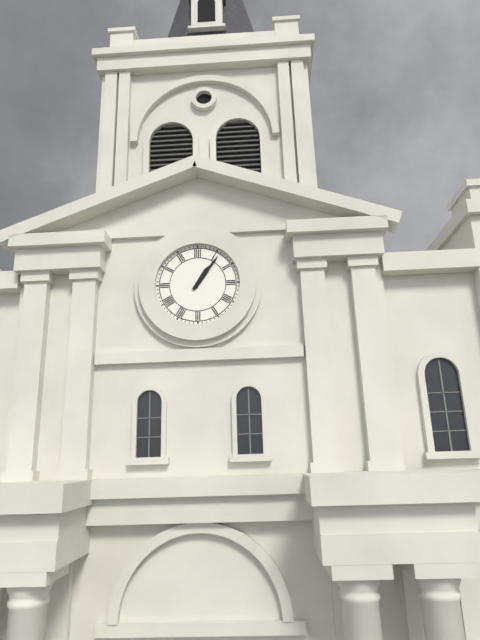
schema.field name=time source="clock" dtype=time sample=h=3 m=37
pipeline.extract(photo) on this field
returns h=1 m=6
